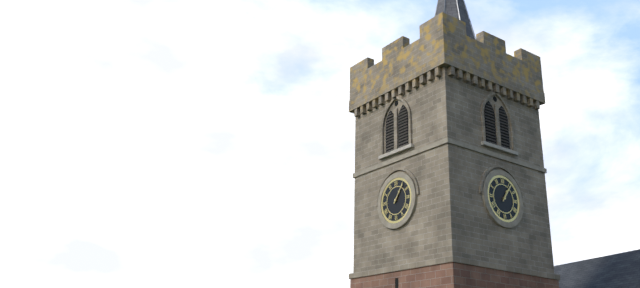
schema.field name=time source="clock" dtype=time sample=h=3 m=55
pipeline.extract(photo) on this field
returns h=1 m=6
